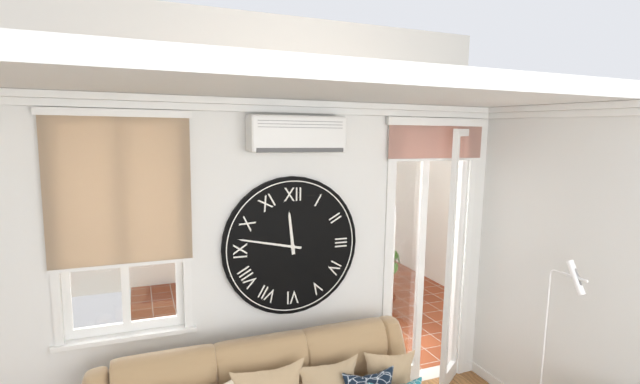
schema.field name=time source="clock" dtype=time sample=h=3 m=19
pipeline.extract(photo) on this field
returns h=11 m=47
